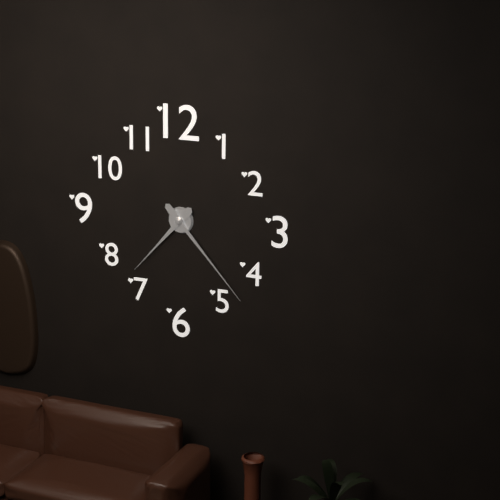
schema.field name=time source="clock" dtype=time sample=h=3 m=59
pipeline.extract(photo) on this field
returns h=7 m=23
